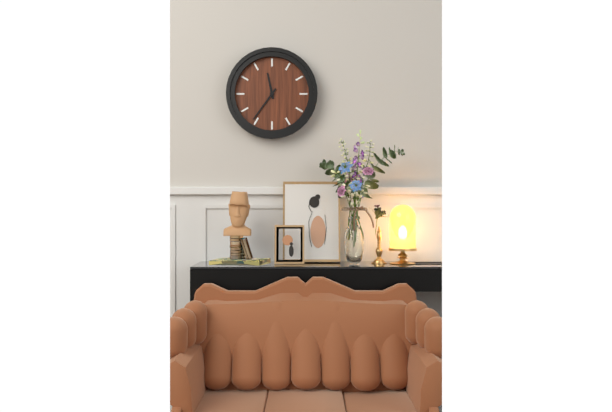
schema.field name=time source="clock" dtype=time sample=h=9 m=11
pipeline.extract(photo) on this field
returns h=11 m=36
